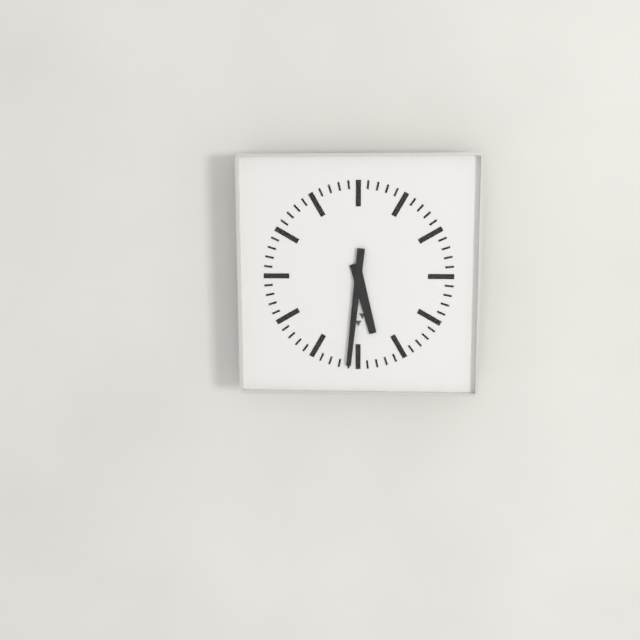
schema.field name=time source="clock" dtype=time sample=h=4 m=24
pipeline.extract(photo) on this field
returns h=5 m=31
